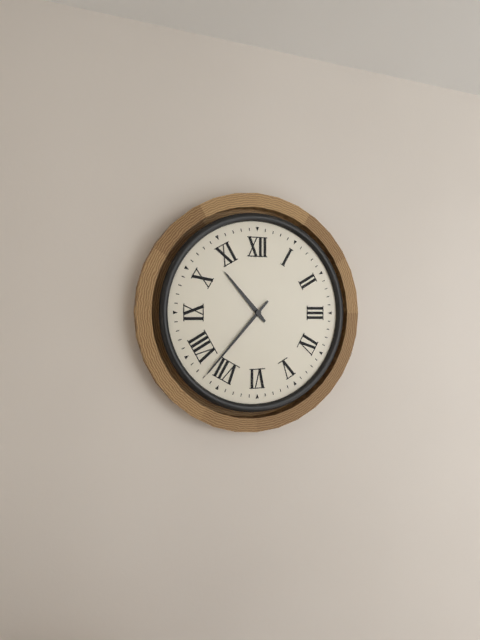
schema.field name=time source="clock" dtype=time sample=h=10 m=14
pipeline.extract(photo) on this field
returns h=10 m=37
